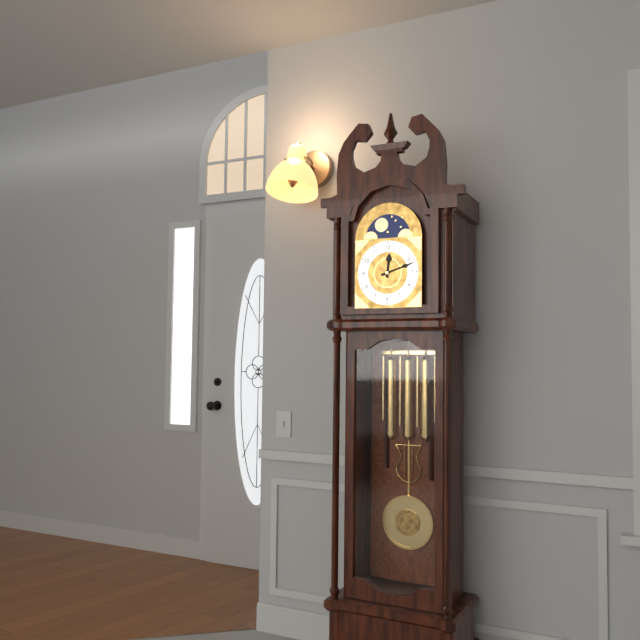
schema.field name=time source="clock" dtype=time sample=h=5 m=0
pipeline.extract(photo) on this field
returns h=12 m=12
